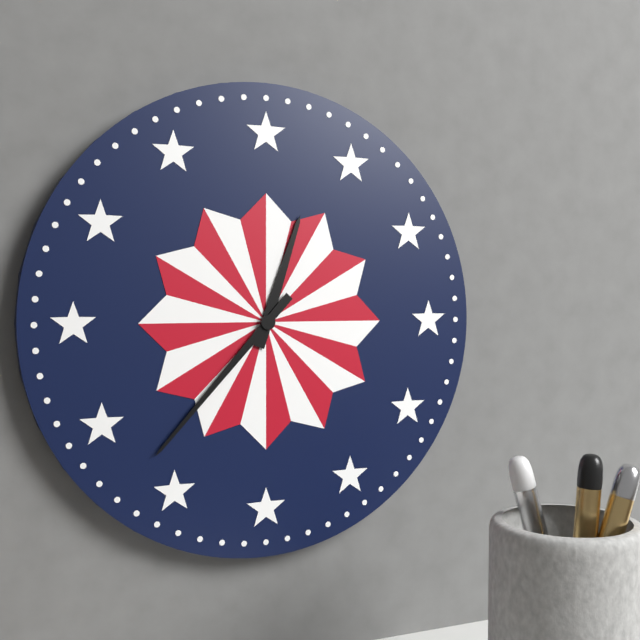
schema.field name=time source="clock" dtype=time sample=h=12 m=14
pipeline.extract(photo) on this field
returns h=12 m=37
